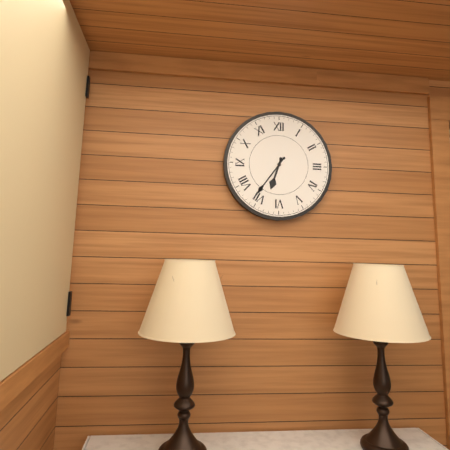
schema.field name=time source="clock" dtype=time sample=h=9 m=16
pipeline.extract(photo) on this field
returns h=6 m=36
